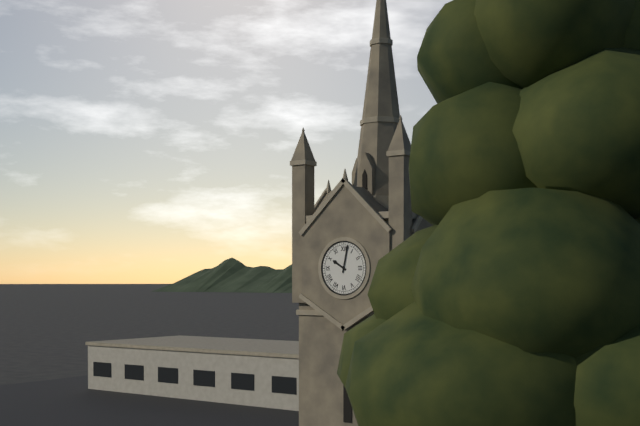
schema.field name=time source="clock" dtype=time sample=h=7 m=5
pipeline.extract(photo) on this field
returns h=10 m=2
